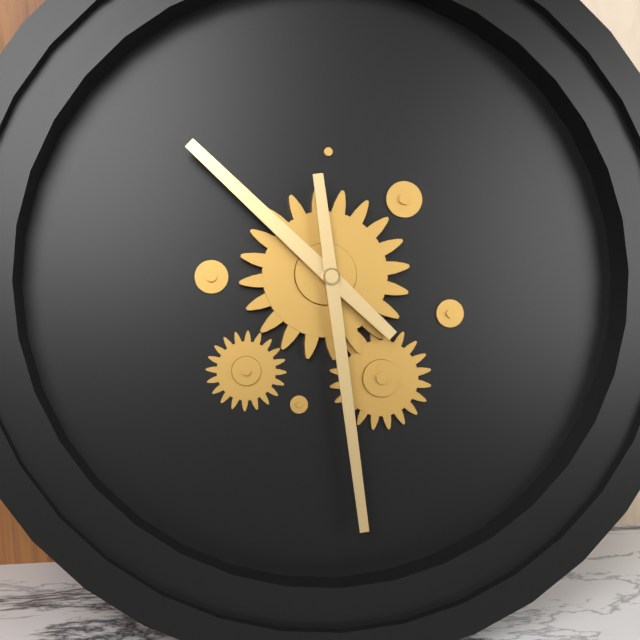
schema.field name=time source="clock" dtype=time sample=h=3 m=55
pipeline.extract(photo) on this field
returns h=10 m=29
